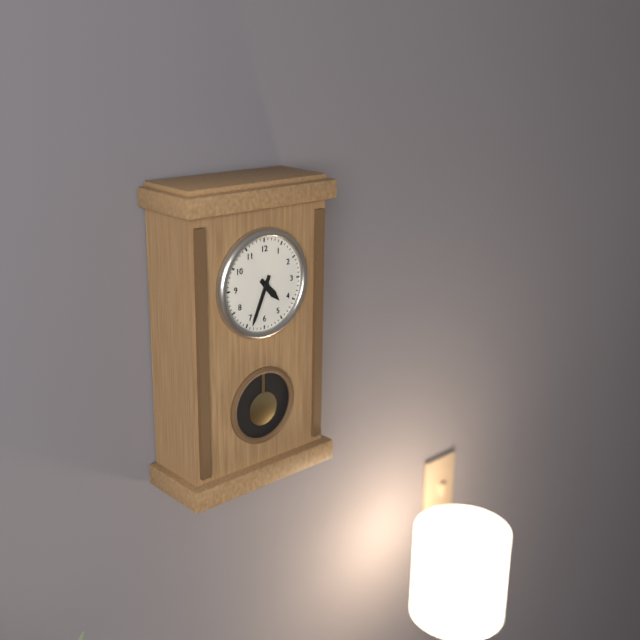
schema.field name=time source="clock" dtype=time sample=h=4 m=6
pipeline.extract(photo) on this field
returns h=4 m=34
